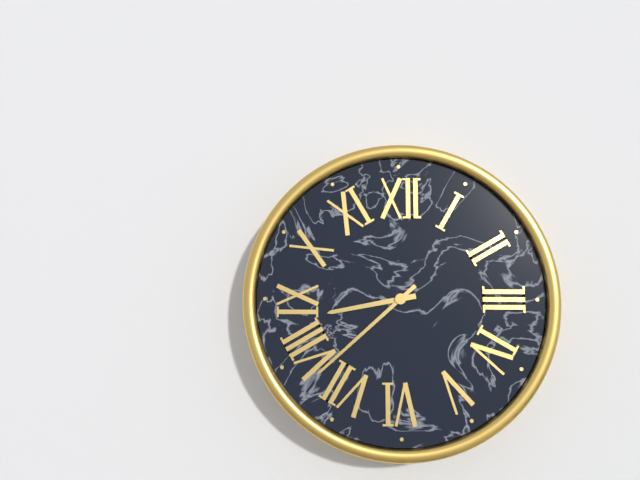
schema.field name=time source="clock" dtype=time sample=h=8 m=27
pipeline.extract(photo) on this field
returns h=8 m=38
